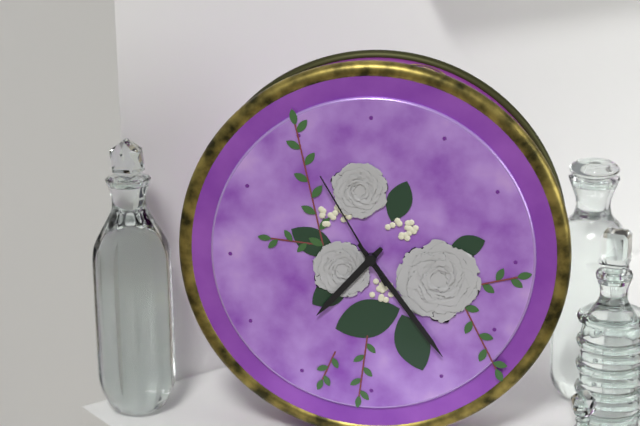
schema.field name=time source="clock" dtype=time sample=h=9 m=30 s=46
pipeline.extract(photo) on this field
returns h=7 m=24 s=55
